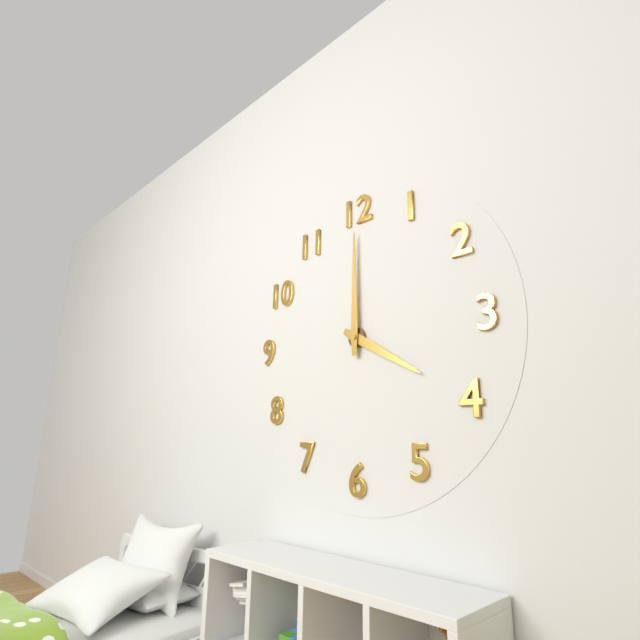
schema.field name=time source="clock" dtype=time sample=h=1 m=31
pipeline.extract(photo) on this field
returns h=4 m=0
